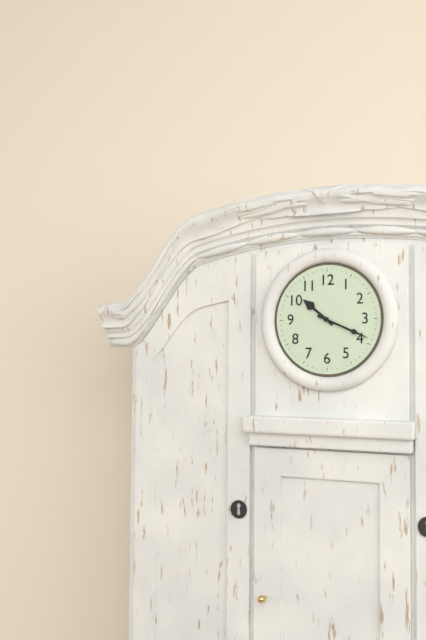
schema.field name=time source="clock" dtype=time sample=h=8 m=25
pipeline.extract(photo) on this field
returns h=10 m=19
